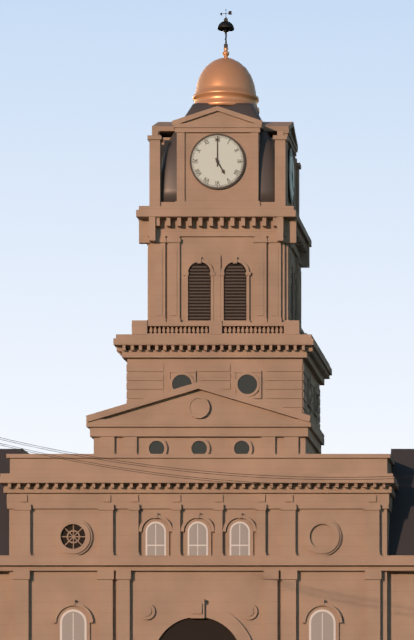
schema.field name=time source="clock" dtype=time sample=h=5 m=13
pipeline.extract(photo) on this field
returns h=5 m=0
